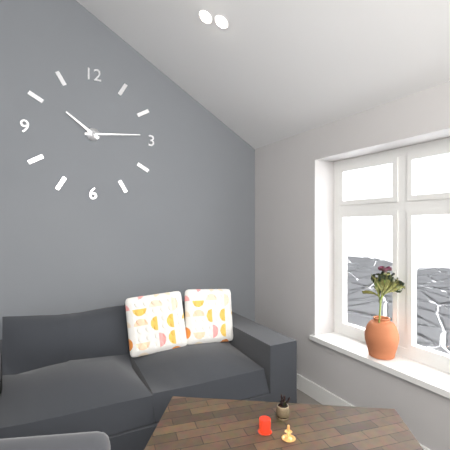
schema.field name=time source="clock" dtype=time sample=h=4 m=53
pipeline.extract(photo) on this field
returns h=10 m=14
